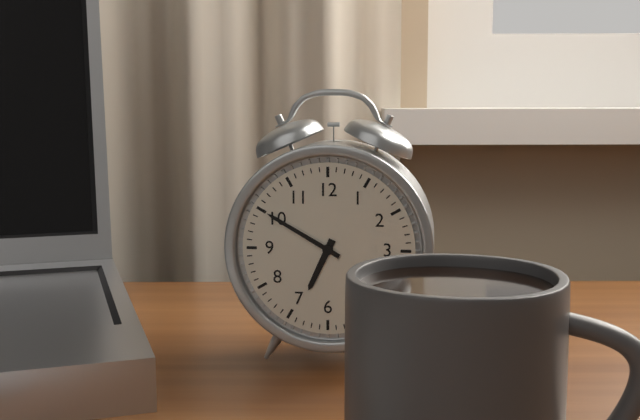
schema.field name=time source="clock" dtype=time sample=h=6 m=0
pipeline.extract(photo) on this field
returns h=6 m=50
